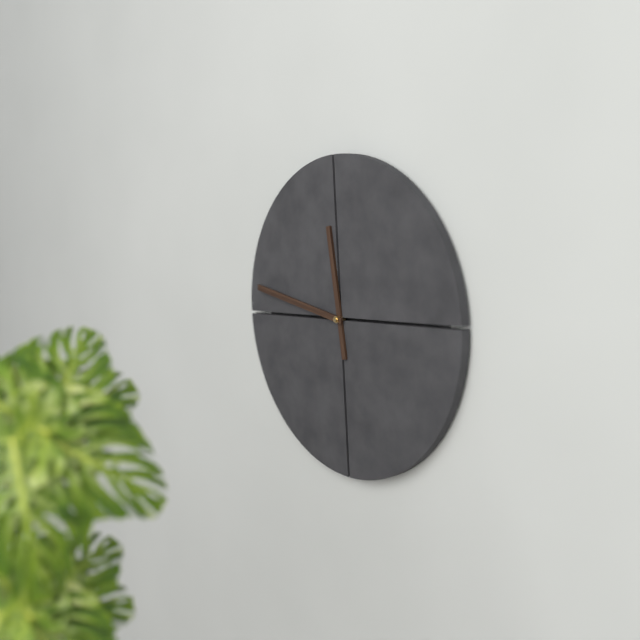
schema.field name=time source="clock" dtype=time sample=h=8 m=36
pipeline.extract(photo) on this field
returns h=11 m=47
